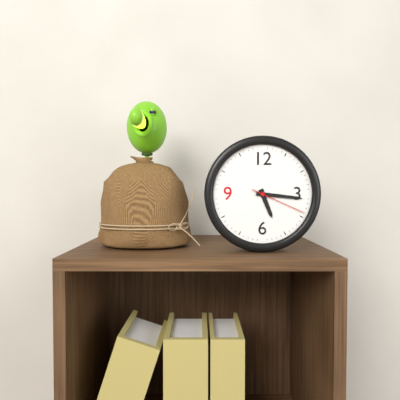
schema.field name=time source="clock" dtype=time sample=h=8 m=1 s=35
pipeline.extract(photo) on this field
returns h=5 m=16 s=19
